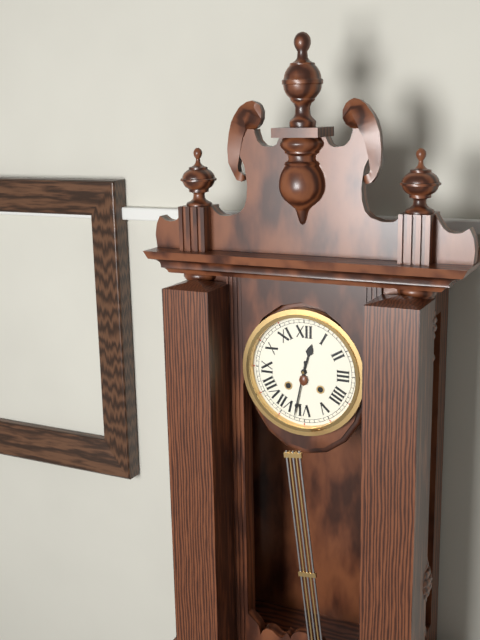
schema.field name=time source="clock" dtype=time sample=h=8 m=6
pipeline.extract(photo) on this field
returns h=12 m=32
